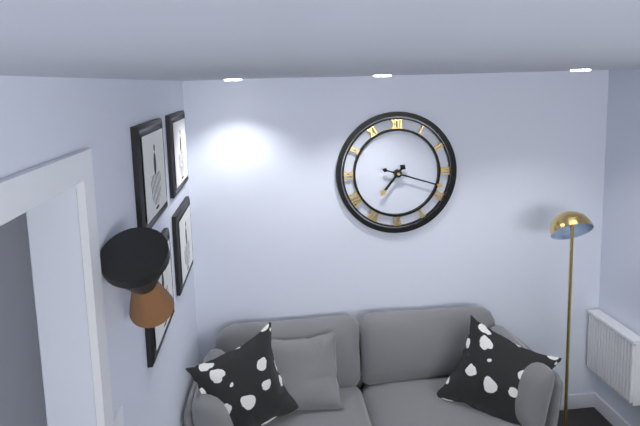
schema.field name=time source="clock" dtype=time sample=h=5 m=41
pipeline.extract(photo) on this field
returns h=7 m=18
